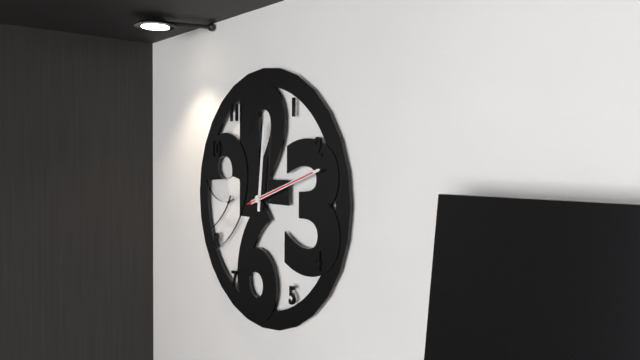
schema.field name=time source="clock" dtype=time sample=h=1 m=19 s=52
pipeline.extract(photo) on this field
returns h=12 m=12 s=12
